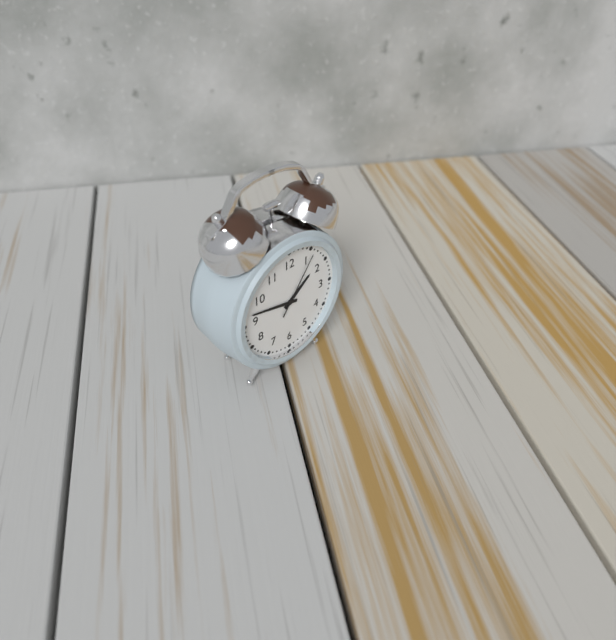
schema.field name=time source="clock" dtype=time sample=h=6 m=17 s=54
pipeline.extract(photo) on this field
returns h=1 m=47 s=6
